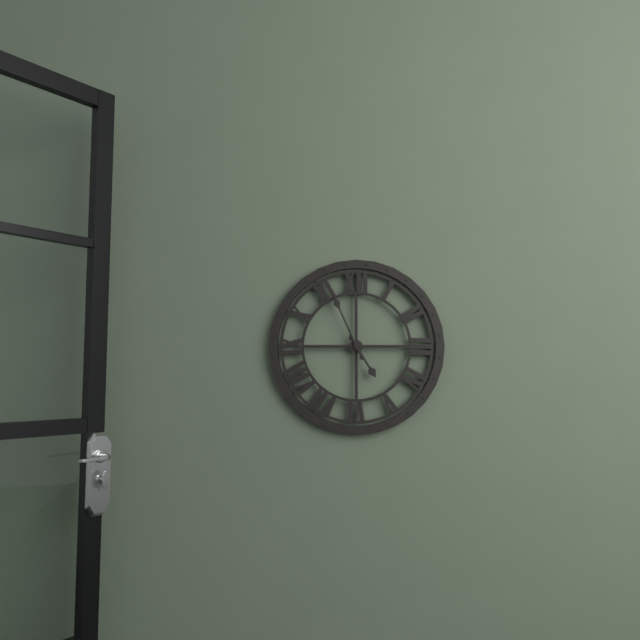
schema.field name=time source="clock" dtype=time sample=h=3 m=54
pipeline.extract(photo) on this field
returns h=4 m=56
